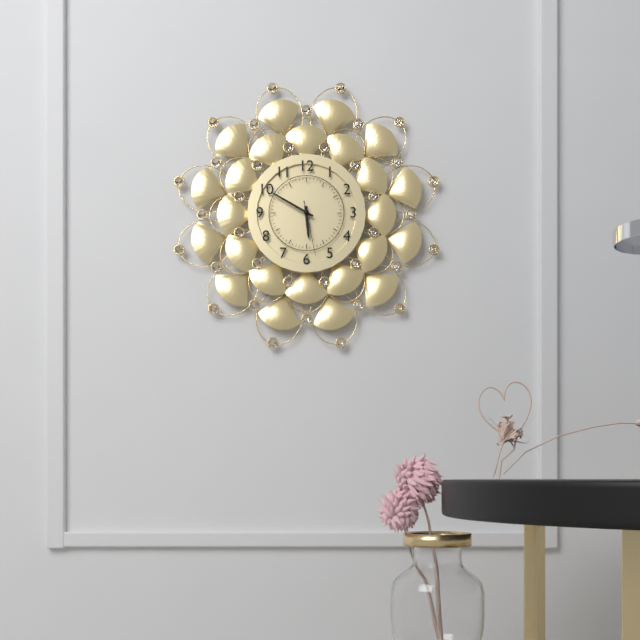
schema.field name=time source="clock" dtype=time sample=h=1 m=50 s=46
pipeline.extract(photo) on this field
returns h=5 m=50 s=28
